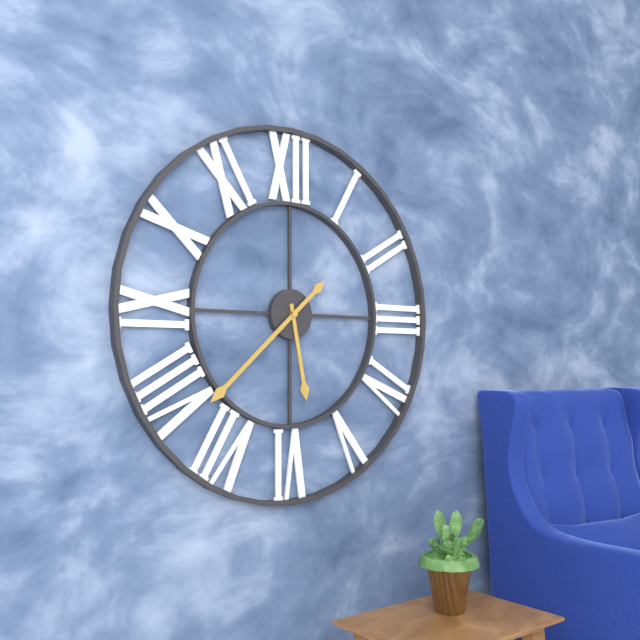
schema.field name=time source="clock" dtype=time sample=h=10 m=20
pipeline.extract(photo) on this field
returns h=5 m=38
